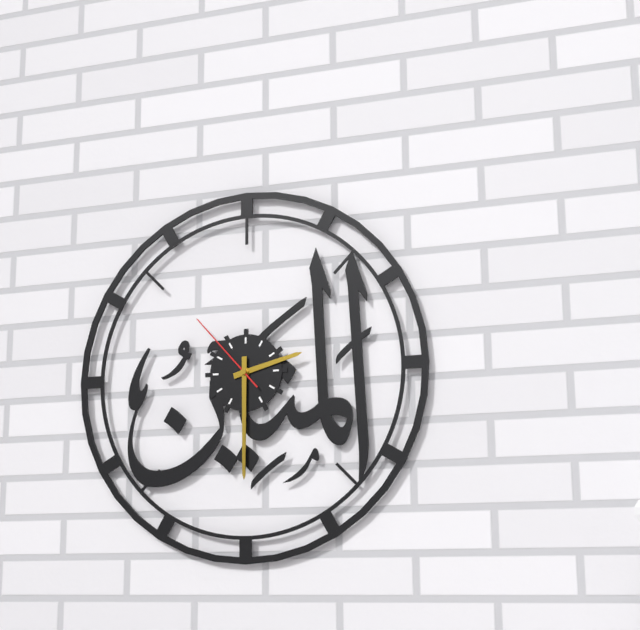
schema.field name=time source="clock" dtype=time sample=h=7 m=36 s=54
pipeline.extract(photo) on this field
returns h=2 m=30 s=53
